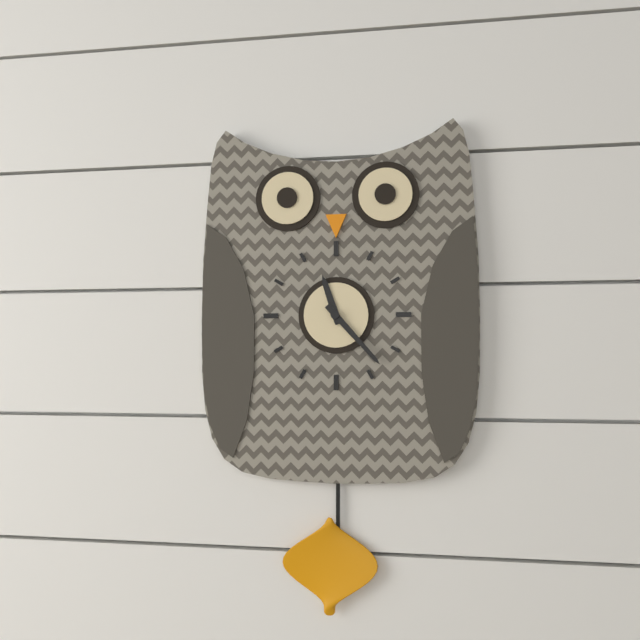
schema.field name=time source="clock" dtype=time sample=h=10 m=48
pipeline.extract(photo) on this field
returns h=11 m=23
